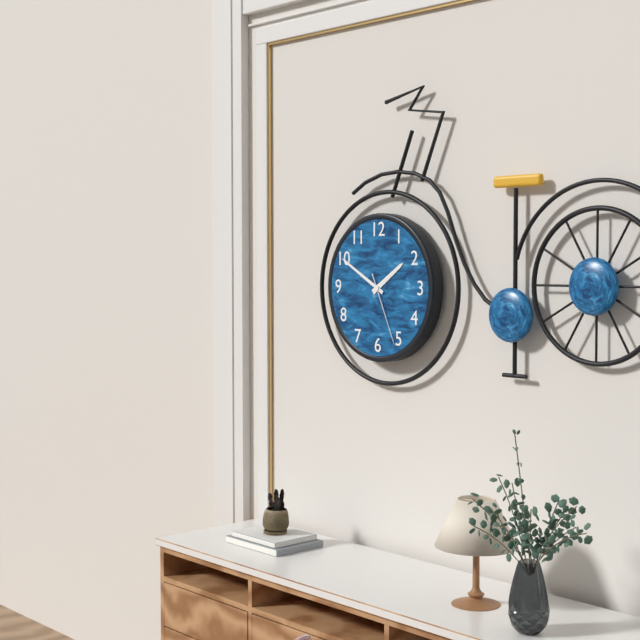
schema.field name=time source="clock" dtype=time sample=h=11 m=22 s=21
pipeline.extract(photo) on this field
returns h=1 m=50 s=26
